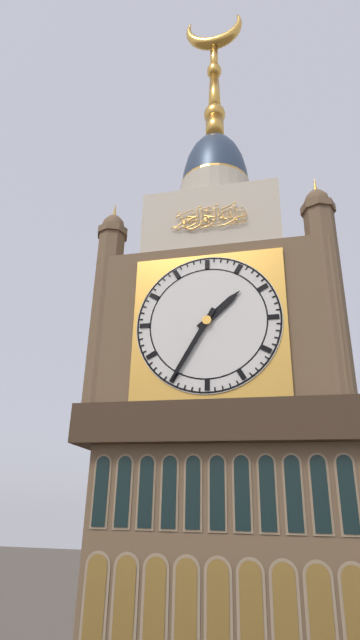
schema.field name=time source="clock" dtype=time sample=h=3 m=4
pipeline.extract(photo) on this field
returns h=1 m=35
